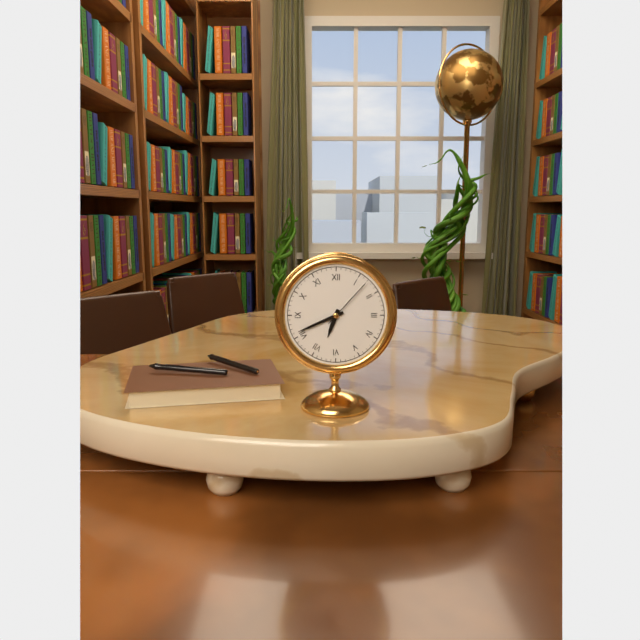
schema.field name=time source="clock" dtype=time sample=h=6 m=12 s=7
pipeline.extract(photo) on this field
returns h=6 m=41 s=7
